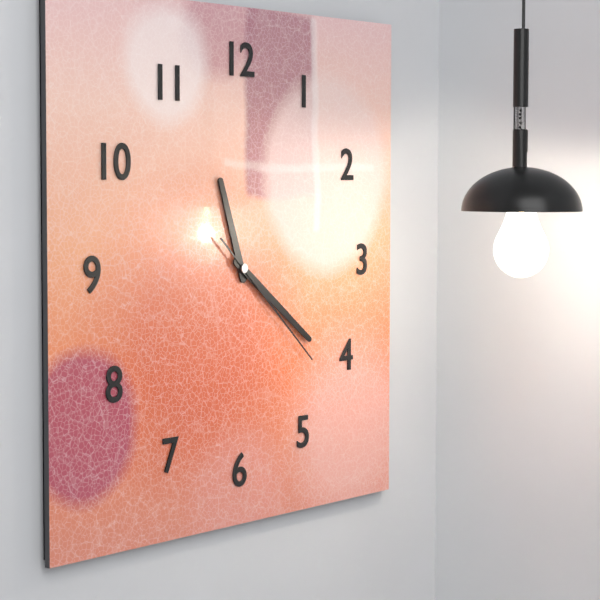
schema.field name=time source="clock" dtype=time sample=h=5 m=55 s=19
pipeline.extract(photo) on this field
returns h=11 m=21 s=22
